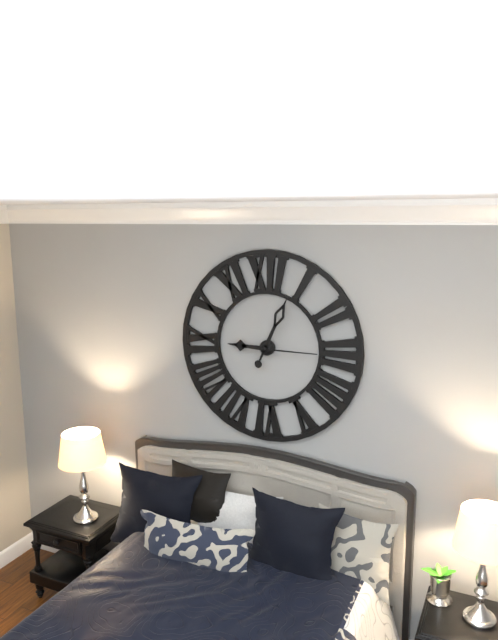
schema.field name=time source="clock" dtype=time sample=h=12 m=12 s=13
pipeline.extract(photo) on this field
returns h=9 m=4 s=15
